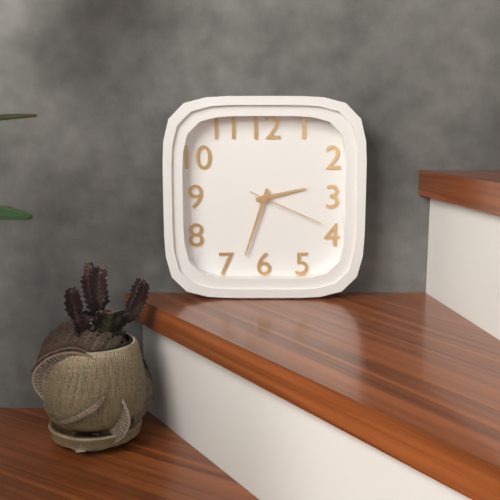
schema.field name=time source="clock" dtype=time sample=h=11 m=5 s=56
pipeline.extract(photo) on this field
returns h=2 m=33 s=19
